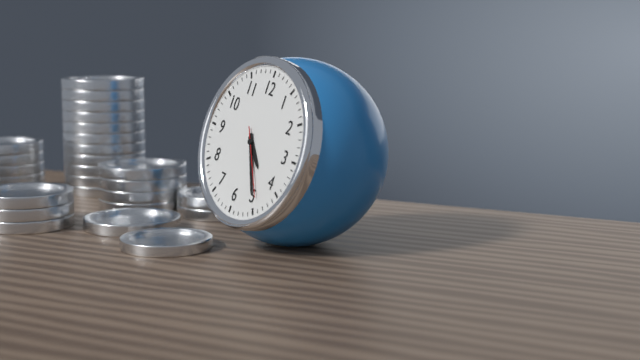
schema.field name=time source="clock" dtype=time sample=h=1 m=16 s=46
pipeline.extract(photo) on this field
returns h=4 m=25 s=24
